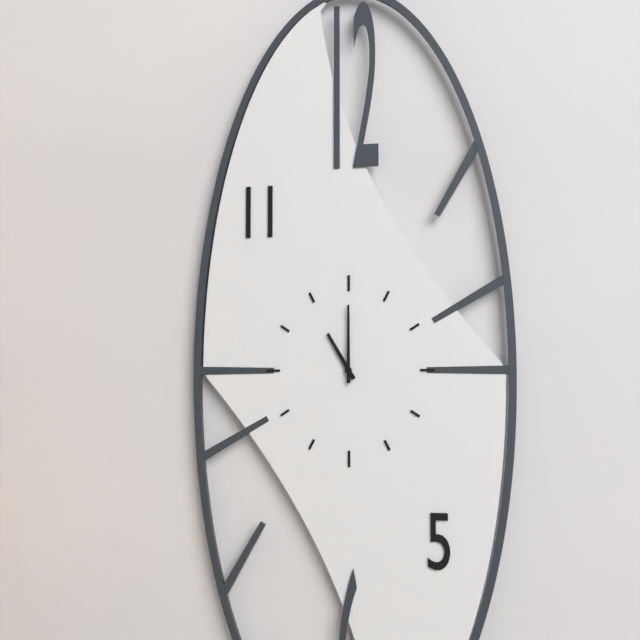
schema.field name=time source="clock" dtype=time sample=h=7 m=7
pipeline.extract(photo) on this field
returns h=11 m=0
